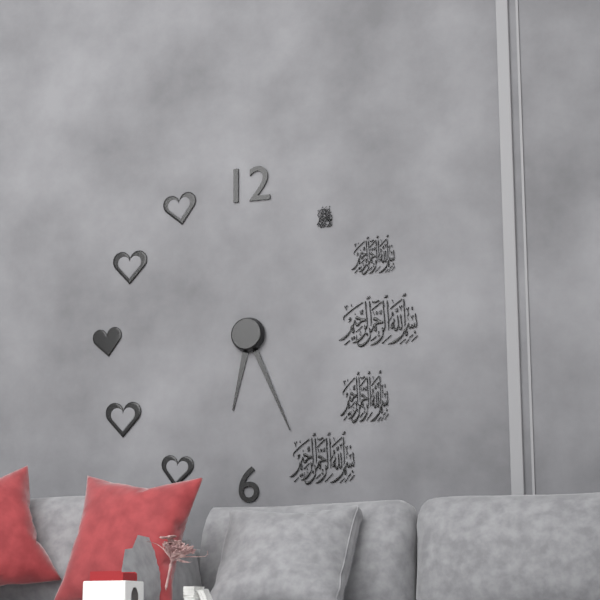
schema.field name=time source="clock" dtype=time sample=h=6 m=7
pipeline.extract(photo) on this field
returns h=6 m=26
